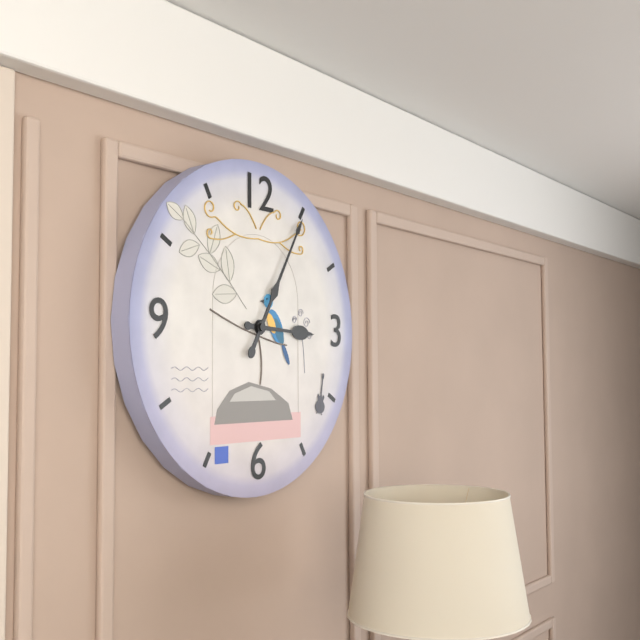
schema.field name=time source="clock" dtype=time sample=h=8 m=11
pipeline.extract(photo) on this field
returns h=3 m=5
